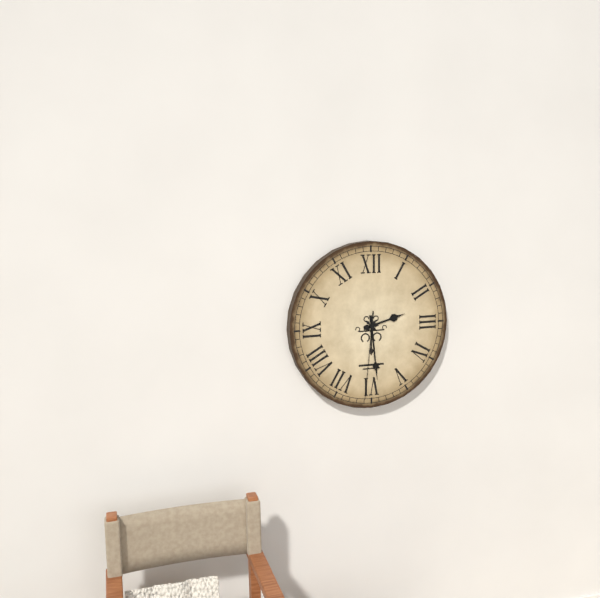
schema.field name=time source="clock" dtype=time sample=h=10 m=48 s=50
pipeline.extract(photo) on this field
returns h=2 m=29 s=31
